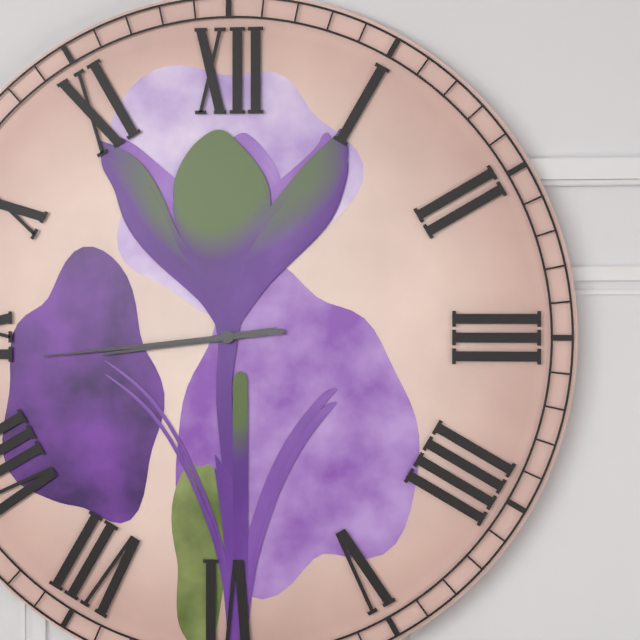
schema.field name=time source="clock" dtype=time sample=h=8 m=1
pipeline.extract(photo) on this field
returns h=8 m=44
